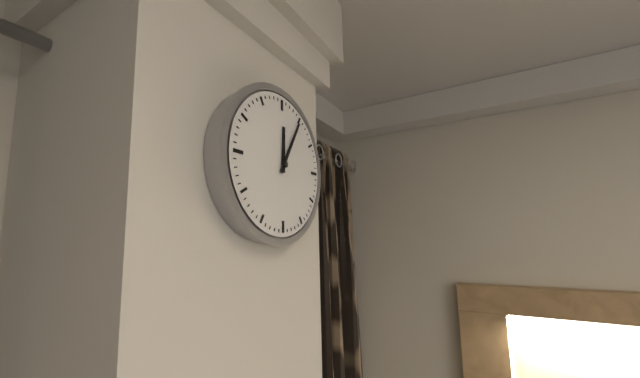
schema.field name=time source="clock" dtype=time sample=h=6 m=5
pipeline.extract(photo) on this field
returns h=12 m=5
